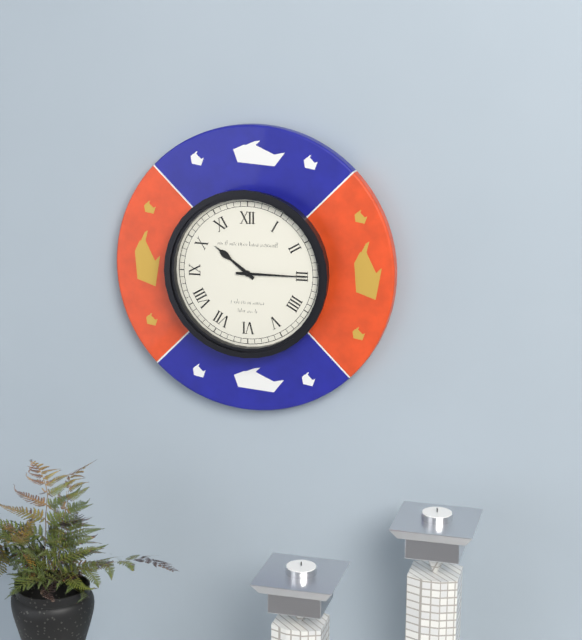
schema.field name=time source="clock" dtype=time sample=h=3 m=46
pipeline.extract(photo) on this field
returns h=10 m=15
